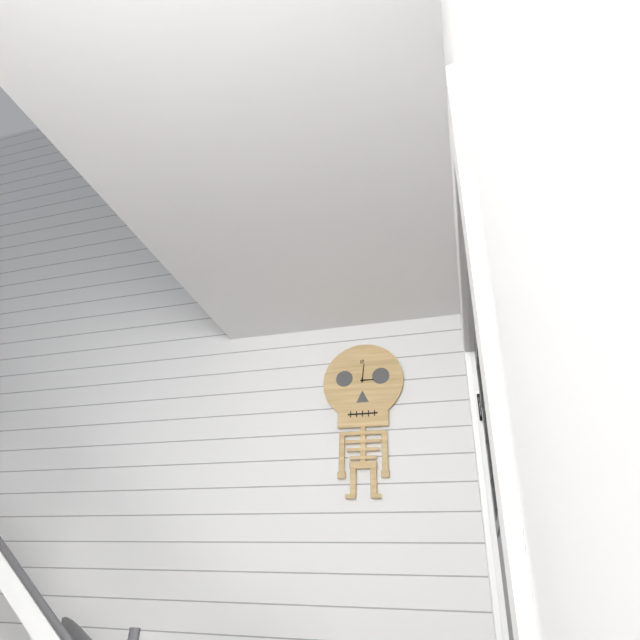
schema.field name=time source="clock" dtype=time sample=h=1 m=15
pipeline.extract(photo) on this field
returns h=3 m=1
